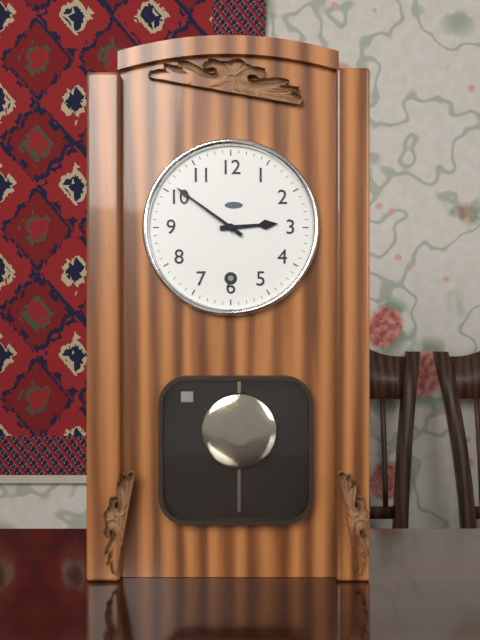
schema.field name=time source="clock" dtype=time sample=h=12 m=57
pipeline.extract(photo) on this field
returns h=2 m=51
